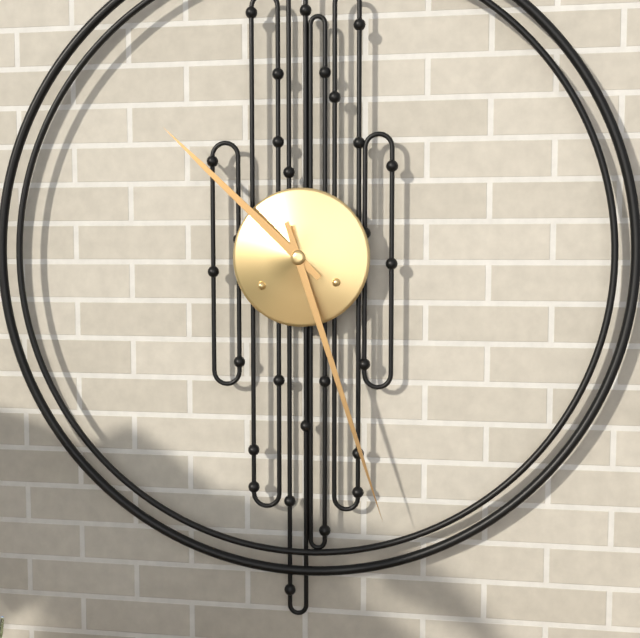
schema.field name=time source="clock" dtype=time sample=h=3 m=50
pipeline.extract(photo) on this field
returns h=10 m=27
